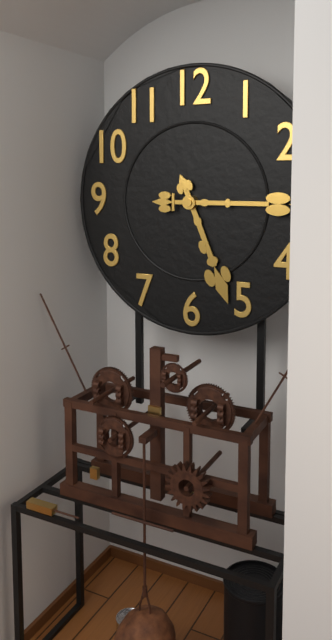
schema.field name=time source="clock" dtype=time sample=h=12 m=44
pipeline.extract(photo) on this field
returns h=5 m=15
